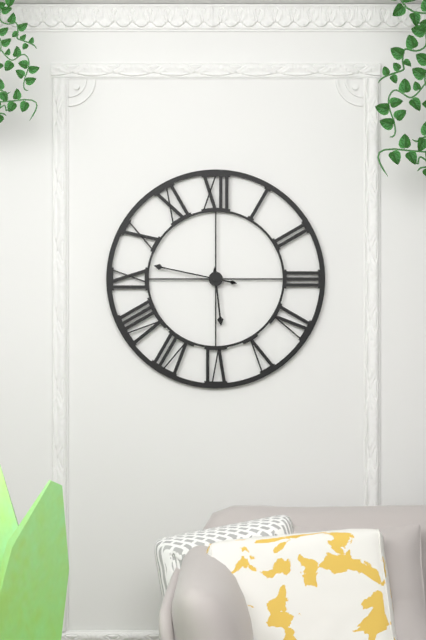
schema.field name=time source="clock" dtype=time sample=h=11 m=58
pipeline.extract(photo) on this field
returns h=5 m=47
